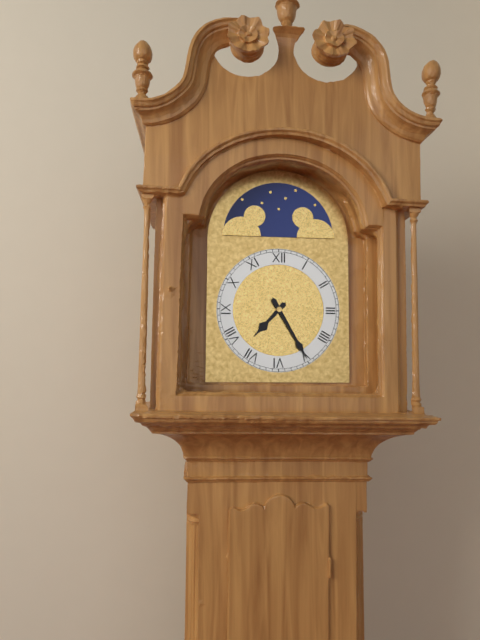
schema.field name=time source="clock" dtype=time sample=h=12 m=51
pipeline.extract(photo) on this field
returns h=7 m=25
